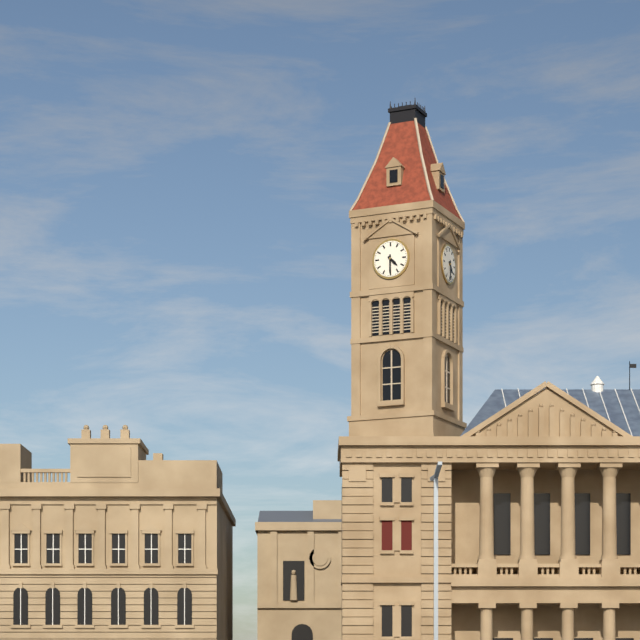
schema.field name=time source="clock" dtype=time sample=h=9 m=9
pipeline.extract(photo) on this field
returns h=4 m=30
